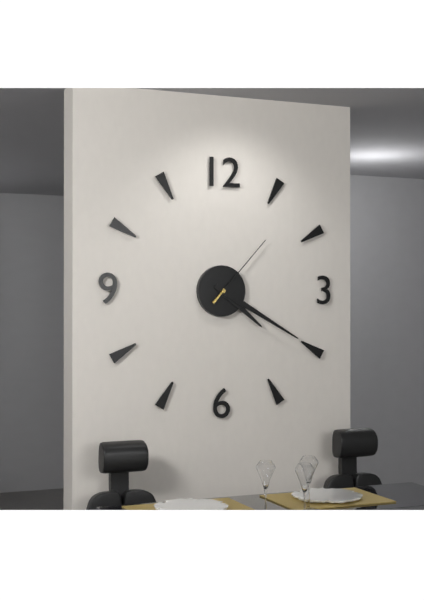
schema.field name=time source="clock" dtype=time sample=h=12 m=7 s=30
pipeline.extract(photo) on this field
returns h=4 m=20 s=7
